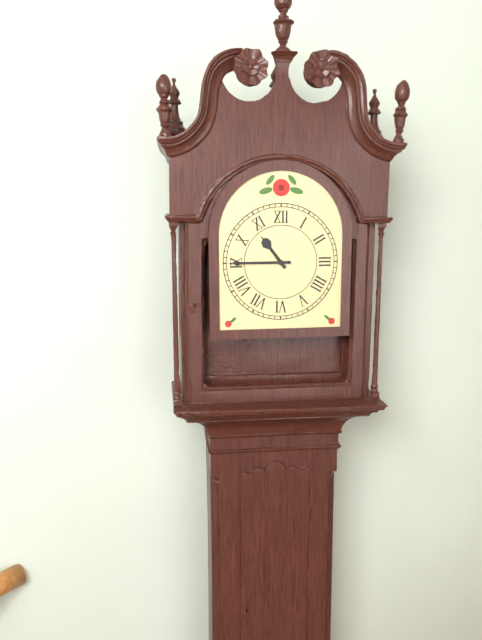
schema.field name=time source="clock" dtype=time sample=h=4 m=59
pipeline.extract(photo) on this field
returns h=10 m=45
